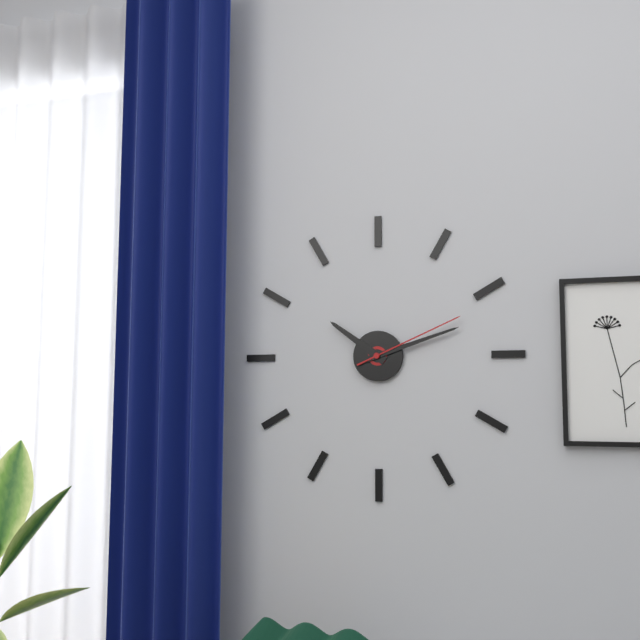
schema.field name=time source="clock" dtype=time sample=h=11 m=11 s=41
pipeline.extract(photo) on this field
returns h=10 m=12 s=11
